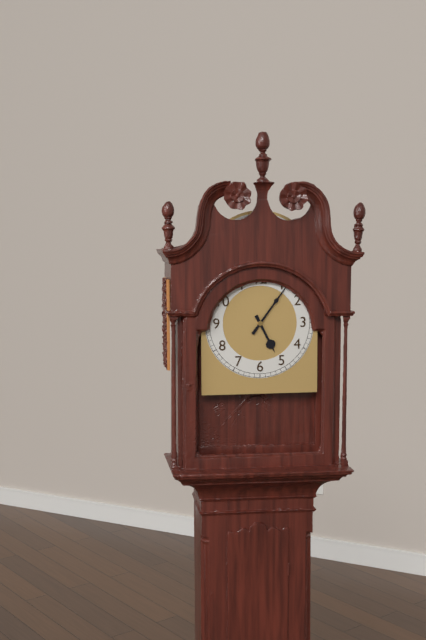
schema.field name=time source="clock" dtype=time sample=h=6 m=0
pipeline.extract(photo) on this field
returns h=5 m=6
